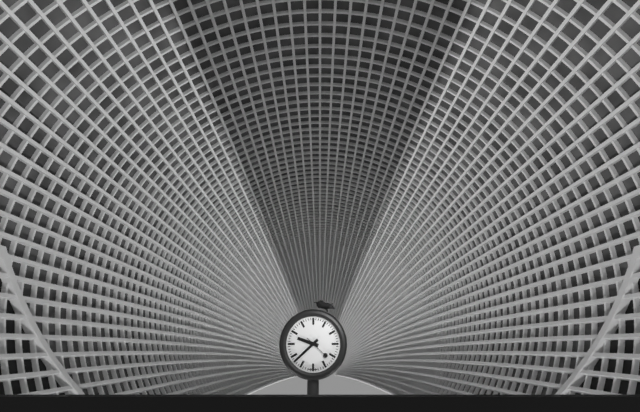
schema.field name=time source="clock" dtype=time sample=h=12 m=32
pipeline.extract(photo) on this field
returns h=9 m=38
